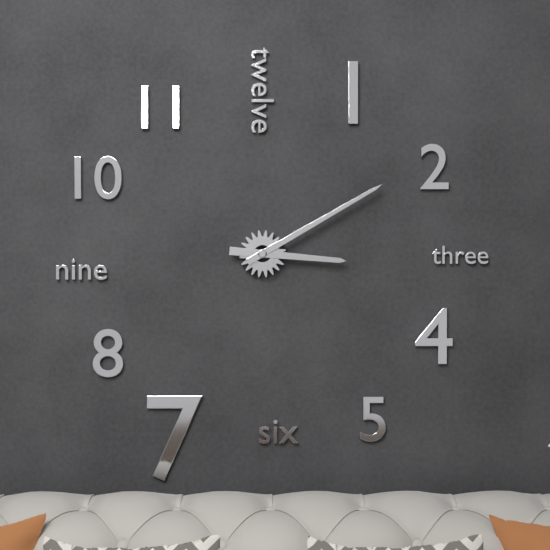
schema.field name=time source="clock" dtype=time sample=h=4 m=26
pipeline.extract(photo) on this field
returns h=3 m=10
